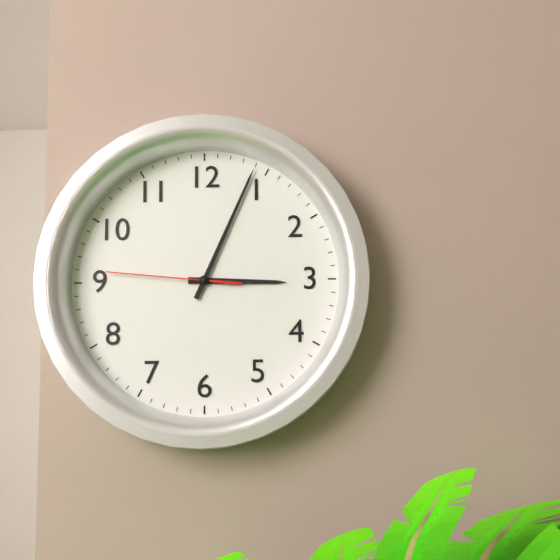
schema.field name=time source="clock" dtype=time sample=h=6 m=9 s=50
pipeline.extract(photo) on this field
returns h=3 m=4 s=46
